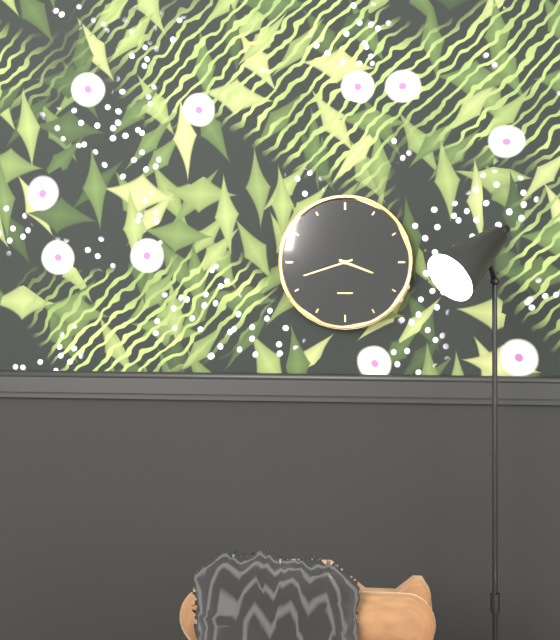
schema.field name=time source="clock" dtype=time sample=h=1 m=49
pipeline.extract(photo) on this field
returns h=3 m=42
